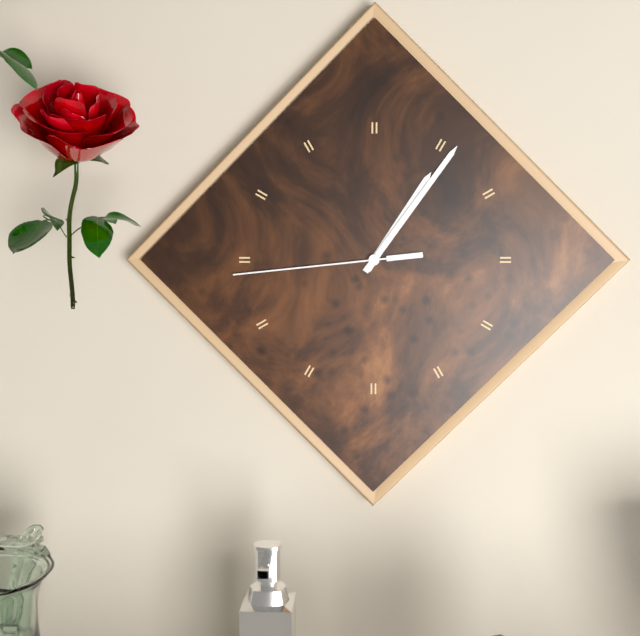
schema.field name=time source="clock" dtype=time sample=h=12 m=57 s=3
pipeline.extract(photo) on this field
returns h=1 m=6 s=44
